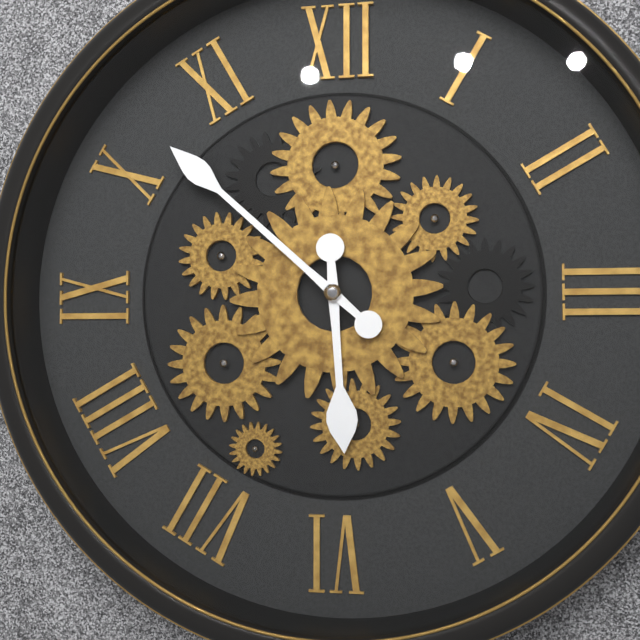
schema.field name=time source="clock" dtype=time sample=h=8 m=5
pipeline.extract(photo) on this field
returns h=5 m=52
